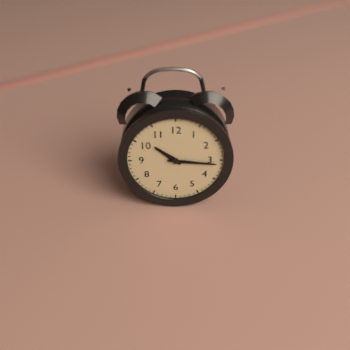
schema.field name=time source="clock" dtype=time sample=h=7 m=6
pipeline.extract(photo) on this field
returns h=10 m=16
